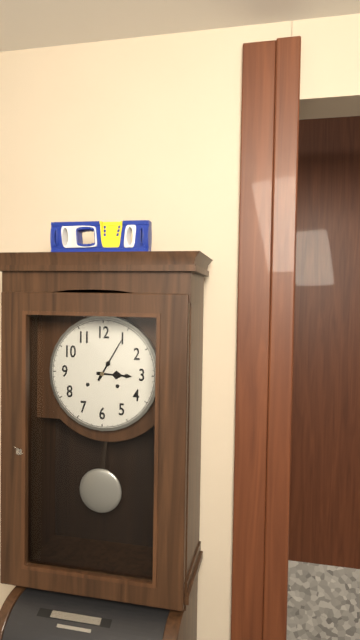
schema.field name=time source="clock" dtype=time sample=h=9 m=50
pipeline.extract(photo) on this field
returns h=3 m=5
